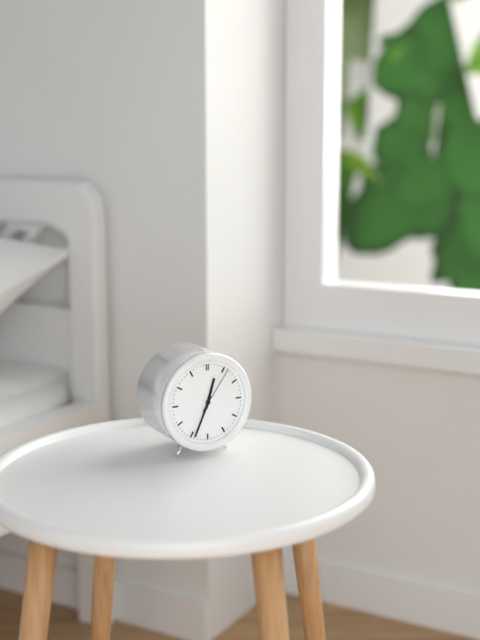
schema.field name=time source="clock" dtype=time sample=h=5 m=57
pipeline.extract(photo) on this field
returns h=12 m=34
